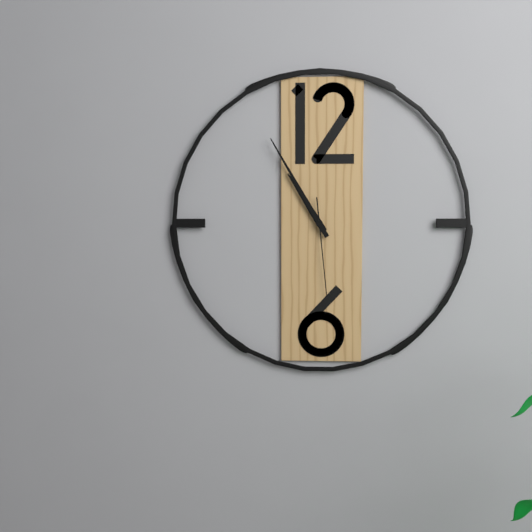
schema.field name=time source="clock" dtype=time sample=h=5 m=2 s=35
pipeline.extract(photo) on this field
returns h=10 m=55 s=29
